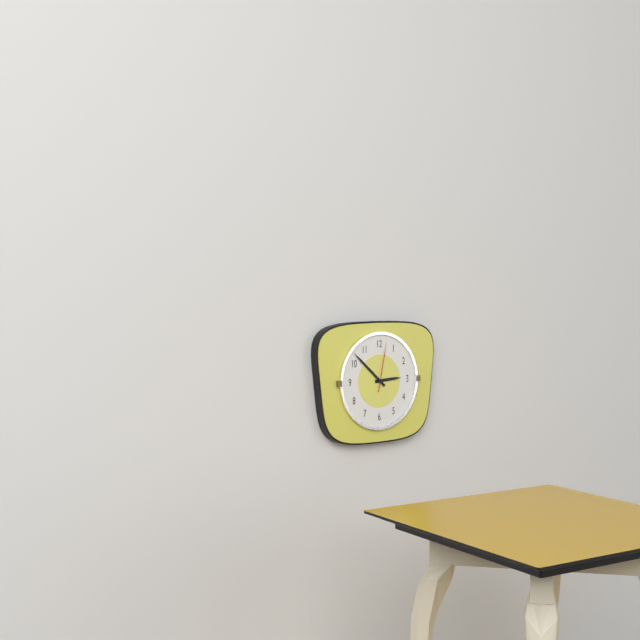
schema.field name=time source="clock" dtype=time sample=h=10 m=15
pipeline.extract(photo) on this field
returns h=2 m=52
